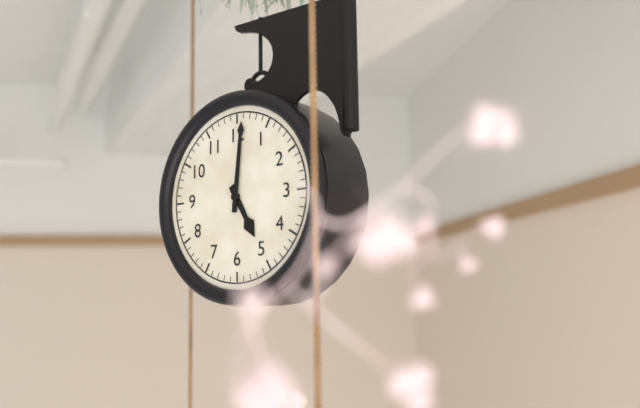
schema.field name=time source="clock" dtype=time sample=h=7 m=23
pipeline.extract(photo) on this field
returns h=5 m=1
